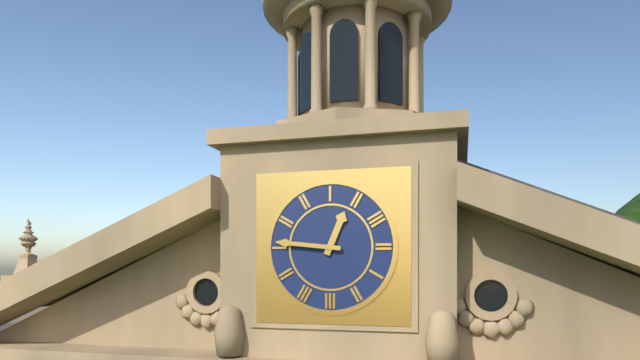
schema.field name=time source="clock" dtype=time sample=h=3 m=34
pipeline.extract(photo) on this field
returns h=12 m=46
